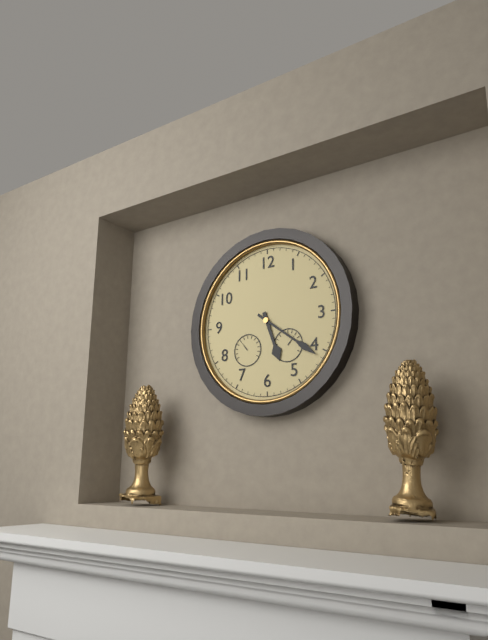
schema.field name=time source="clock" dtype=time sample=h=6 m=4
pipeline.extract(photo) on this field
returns h=5 m=21
